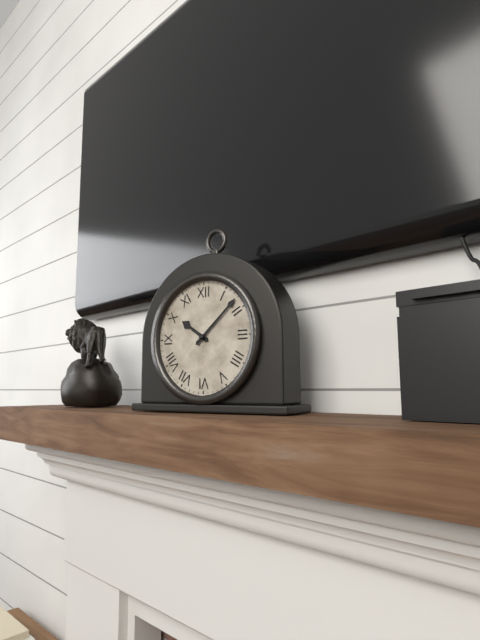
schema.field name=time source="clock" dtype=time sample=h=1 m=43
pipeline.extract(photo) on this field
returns h=10 m=8
